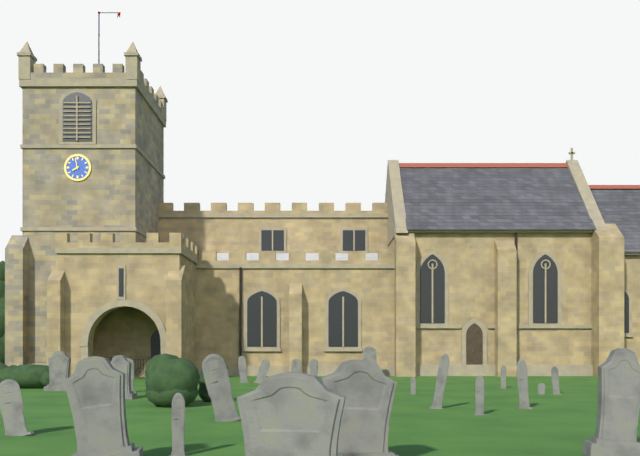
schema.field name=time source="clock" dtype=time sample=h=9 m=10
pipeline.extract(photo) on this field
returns h=7 m=58
